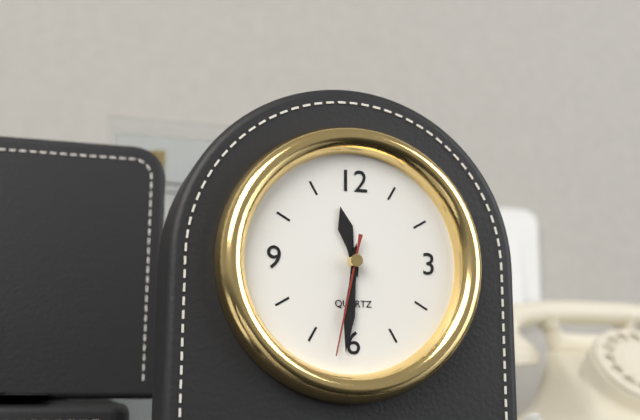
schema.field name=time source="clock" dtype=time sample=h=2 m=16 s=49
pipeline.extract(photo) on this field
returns h=11 m=31 s=32
